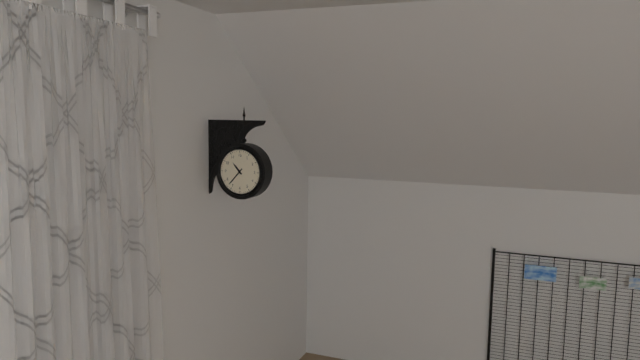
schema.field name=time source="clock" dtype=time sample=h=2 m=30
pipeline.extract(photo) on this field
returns h=10 m=37
